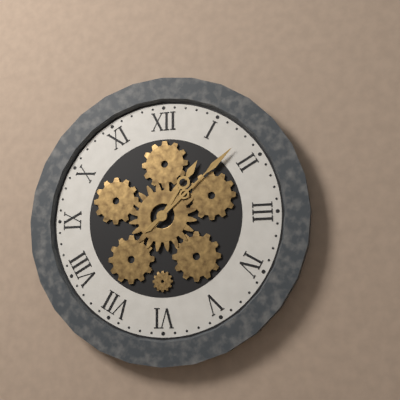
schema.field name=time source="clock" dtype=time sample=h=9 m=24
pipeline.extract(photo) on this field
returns h=1 m=8
